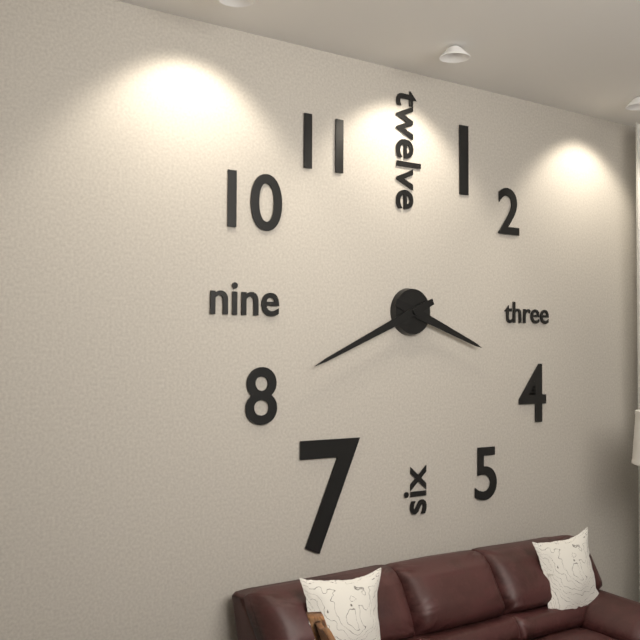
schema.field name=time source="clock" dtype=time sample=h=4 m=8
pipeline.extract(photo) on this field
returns h=3 m=41
